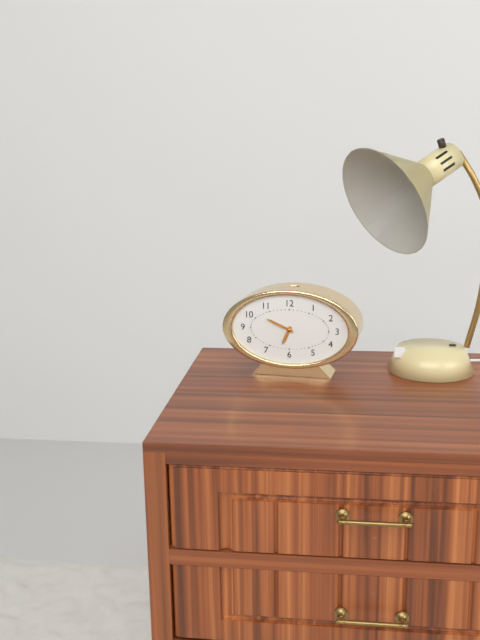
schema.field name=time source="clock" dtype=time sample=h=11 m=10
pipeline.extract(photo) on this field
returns h=6 m=49
